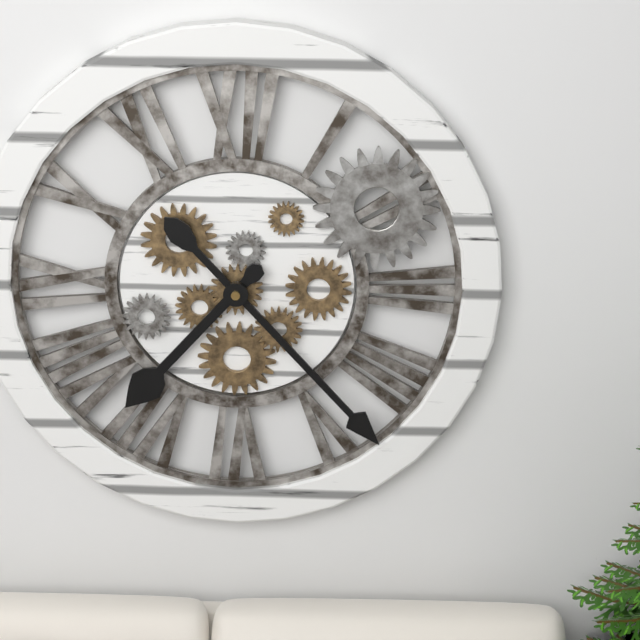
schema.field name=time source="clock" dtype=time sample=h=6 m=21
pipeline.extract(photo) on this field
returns h=7 m=23
